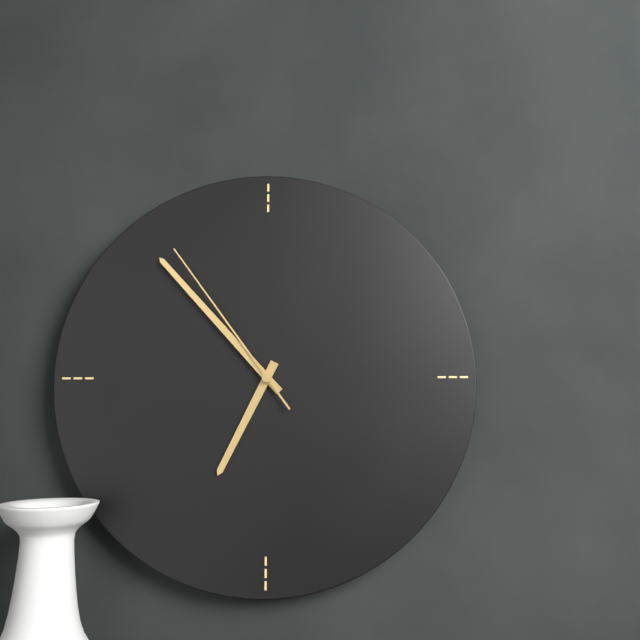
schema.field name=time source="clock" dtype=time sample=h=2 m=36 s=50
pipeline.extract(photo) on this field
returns h=6 m=53 s=54
